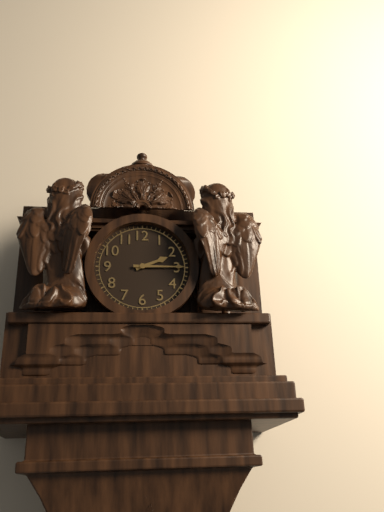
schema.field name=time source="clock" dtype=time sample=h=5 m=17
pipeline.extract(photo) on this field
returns h=2 m=15
